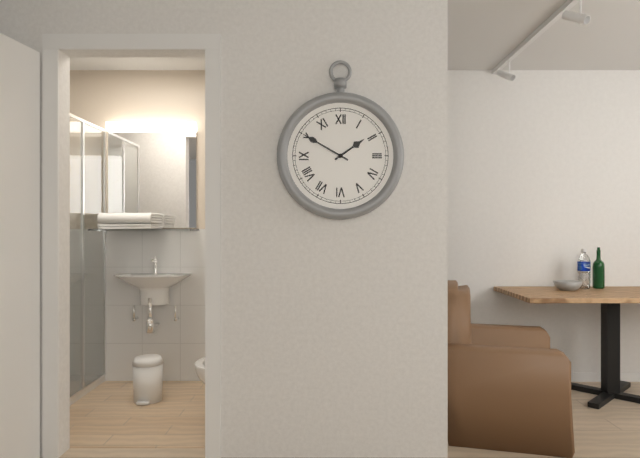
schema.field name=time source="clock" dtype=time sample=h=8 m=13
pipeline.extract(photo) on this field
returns h=1 m=50
